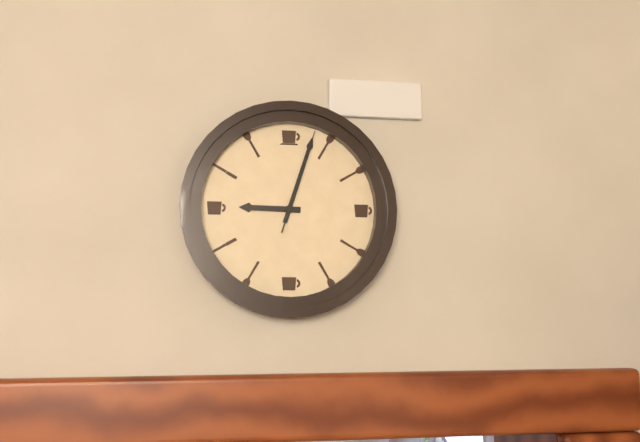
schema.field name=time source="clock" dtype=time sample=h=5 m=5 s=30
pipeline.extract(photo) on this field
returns h=9 m=3 s=3
